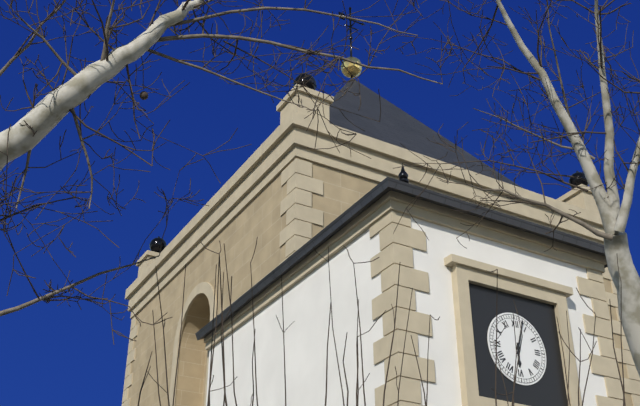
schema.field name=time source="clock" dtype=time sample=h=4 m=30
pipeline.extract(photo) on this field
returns h=6 m=3
